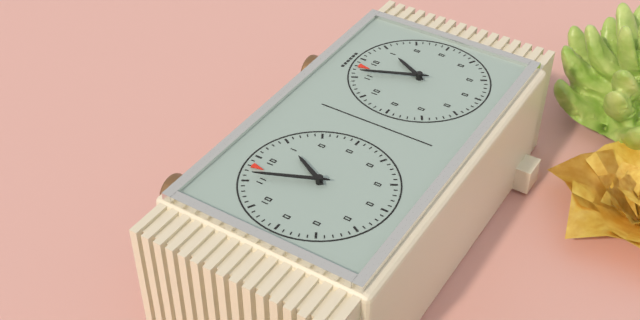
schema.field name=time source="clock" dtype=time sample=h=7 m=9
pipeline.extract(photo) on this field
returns h=12 m=56
